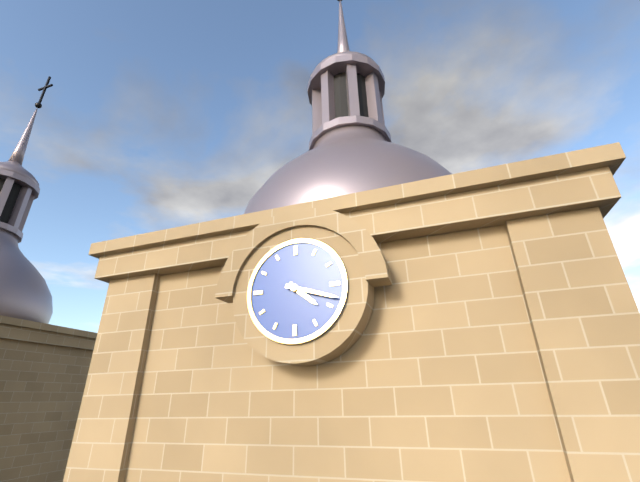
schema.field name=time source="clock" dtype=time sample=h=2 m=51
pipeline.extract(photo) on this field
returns h=4 m=18
